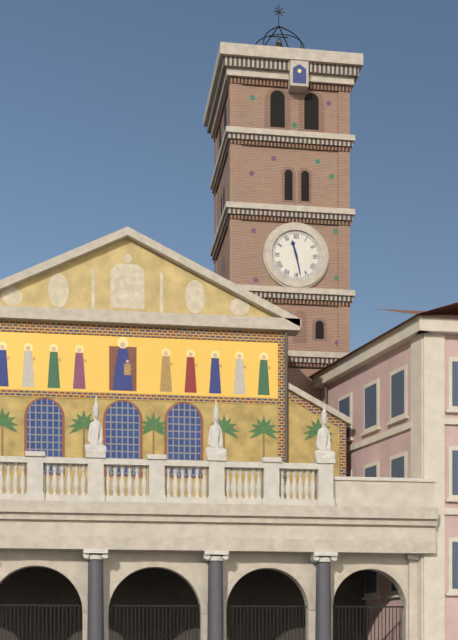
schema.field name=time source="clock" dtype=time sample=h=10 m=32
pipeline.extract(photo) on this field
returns h=11 m=28
